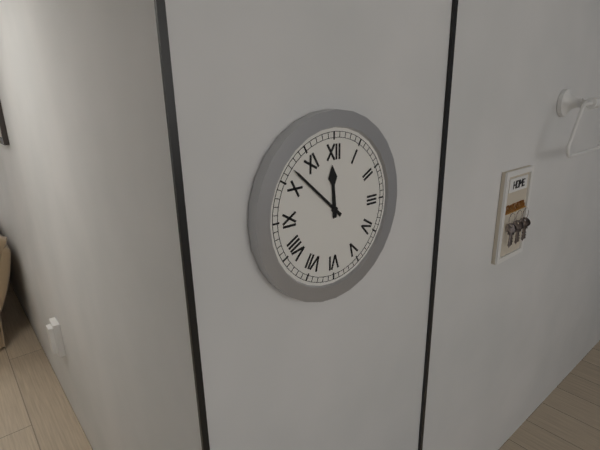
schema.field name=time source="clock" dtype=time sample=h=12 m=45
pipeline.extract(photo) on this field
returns h=11 m=52
